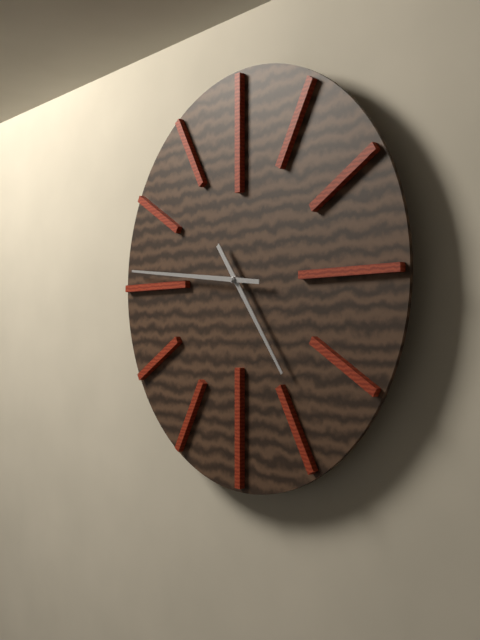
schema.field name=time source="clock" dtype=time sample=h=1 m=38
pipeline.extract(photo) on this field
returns h=4 m=46
